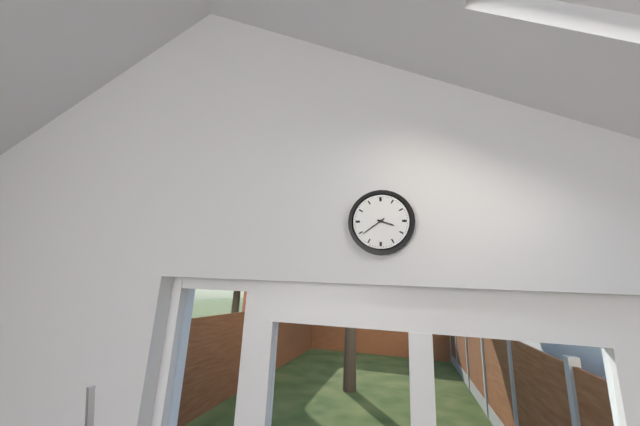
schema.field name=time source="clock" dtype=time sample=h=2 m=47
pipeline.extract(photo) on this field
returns h=3 m=39
